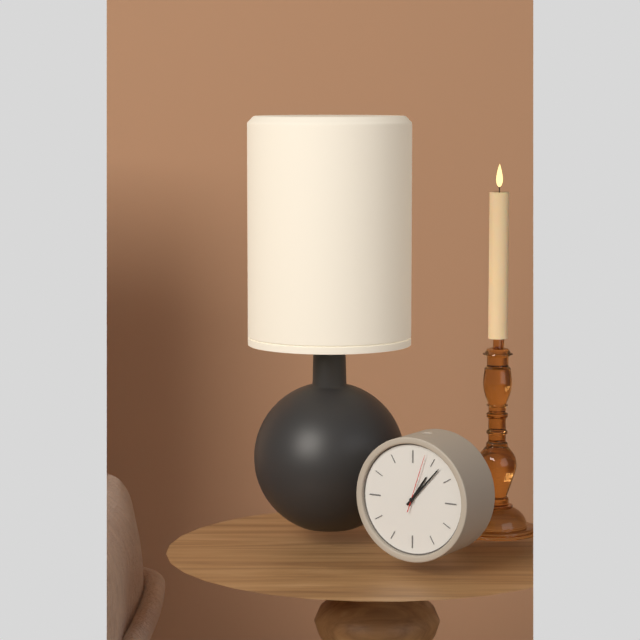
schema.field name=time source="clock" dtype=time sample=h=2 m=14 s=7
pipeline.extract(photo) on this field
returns h=1 m=7 s=3
